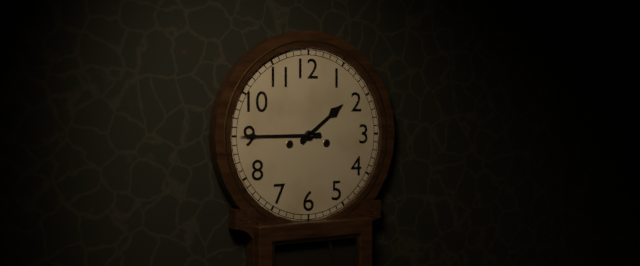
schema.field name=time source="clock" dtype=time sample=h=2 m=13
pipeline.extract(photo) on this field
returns h=1 m=45
